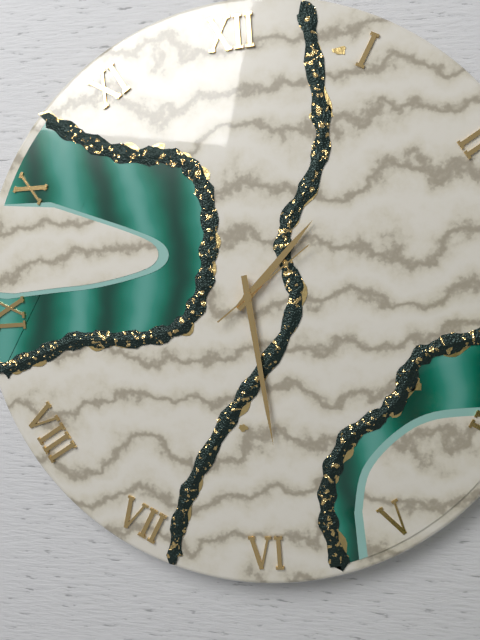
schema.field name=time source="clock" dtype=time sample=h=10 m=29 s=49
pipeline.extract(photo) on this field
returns h=1 m=29 s=9
